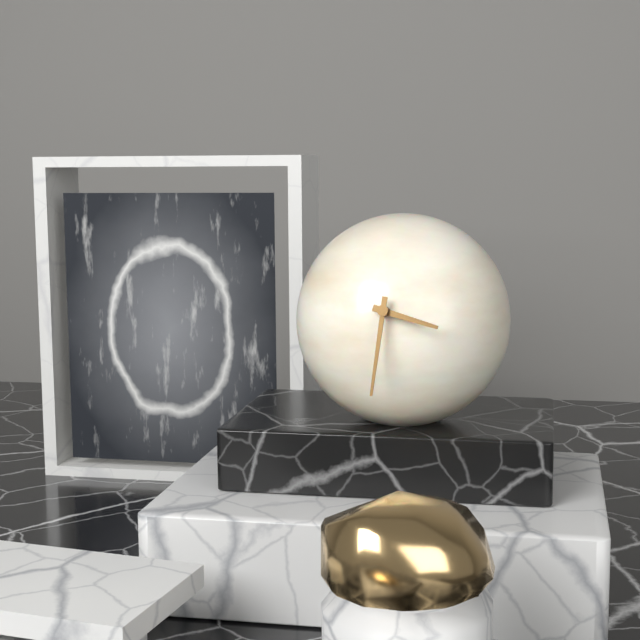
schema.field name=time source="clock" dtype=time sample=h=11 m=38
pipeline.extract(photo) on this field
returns h=3 m=31
